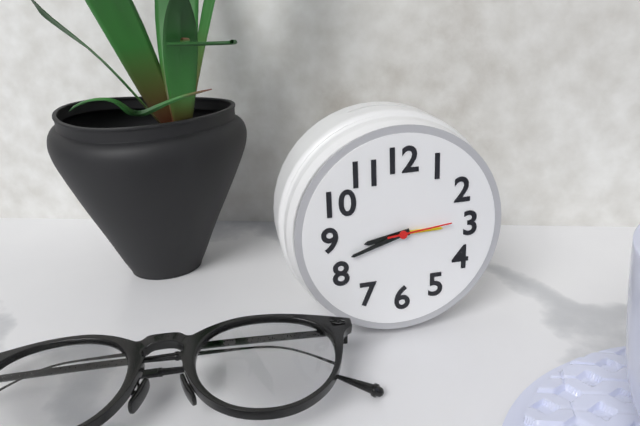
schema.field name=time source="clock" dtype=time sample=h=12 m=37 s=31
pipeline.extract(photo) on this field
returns h=8 m=42 s=14
